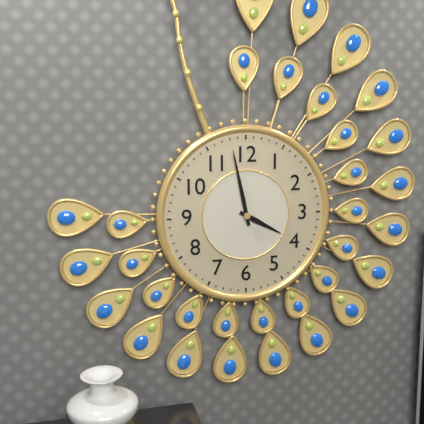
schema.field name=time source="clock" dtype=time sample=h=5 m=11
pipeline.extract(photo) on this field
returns h=3 m=58
